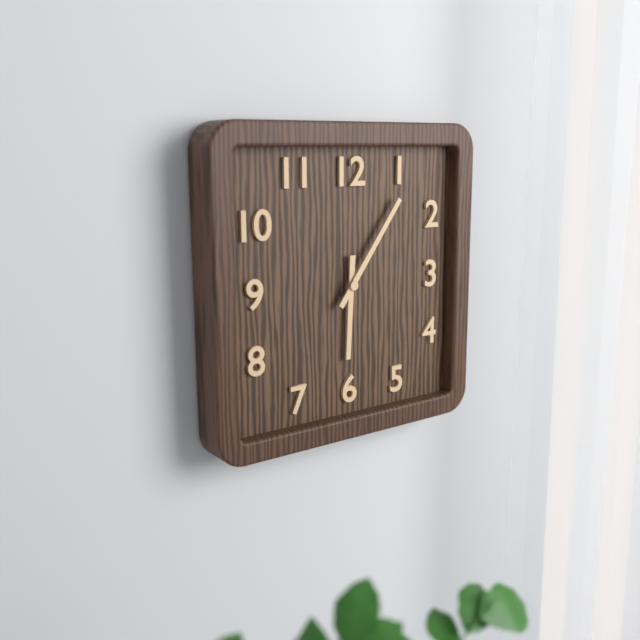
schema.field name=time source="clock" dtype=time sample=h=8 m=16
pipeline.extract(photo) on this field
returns h=6 m=6
